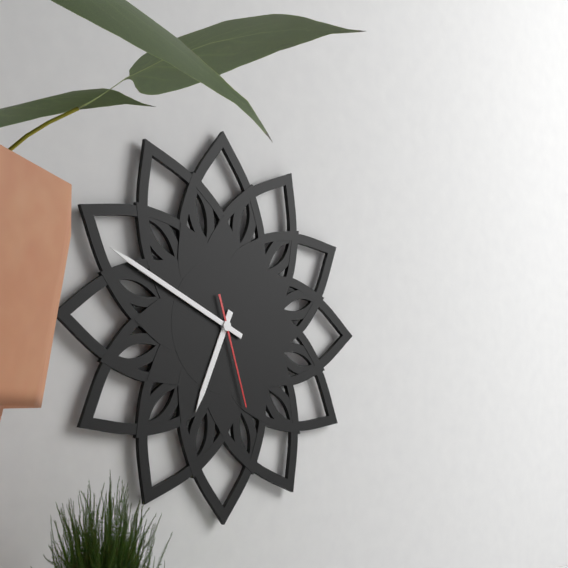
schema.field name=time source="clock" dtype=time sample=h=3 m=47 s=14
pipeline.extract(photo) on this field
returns h=6 m=49 s=27
